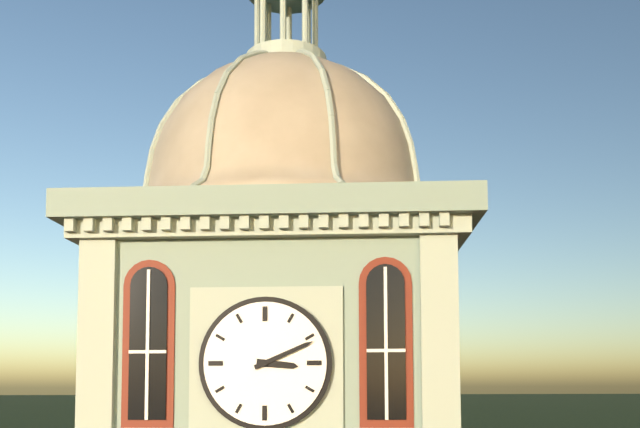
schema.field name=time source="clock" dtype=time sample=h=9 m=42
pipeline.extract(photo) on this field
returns h=3 m=11
